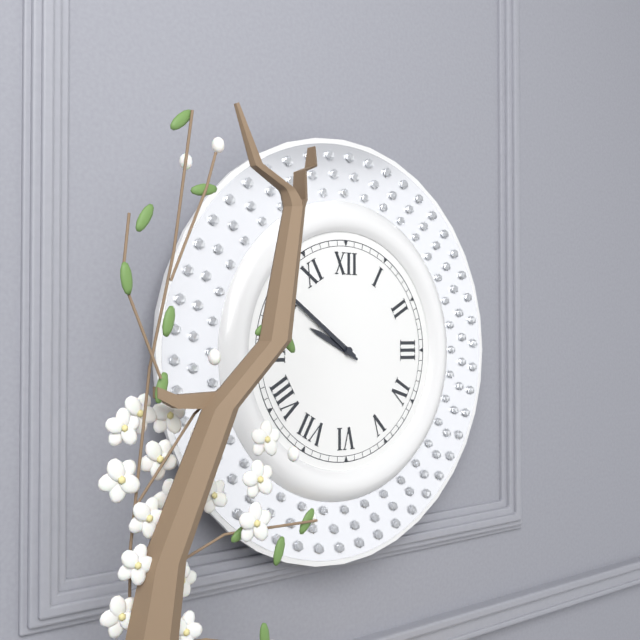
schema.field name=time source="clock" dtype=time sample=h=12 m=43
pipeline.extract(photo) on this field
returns h=9 m=51
